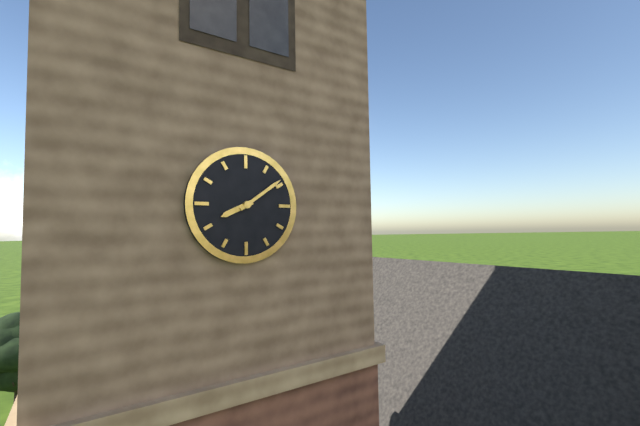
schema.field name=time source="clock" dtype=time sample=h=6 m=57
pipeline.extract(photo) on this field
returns h=8 m=9
